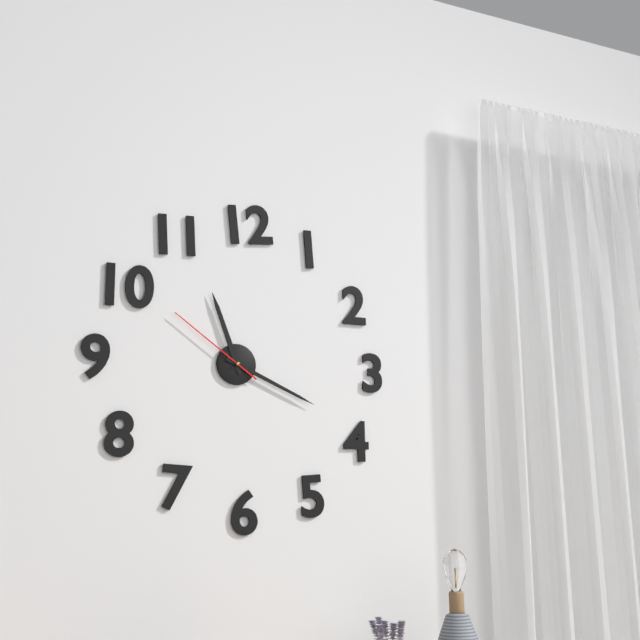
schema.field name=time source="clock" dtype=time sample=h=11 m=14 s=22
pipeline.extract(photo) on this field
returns h=11 m=19 s=51
